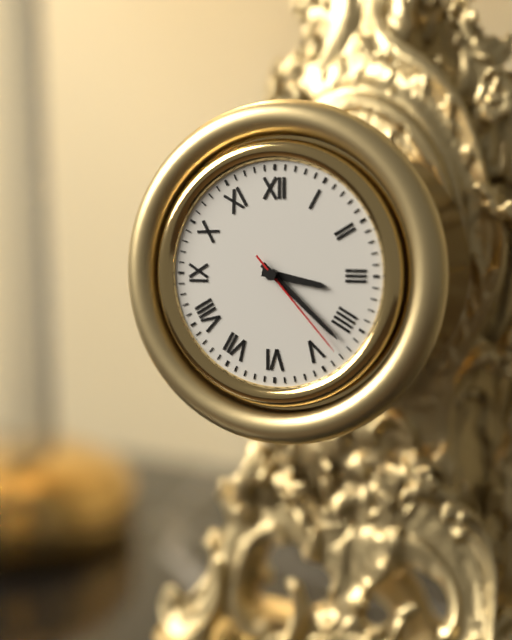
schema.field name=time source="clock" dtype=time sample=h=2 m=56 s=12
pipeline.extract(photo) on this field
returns h=3 m=22 s=23
